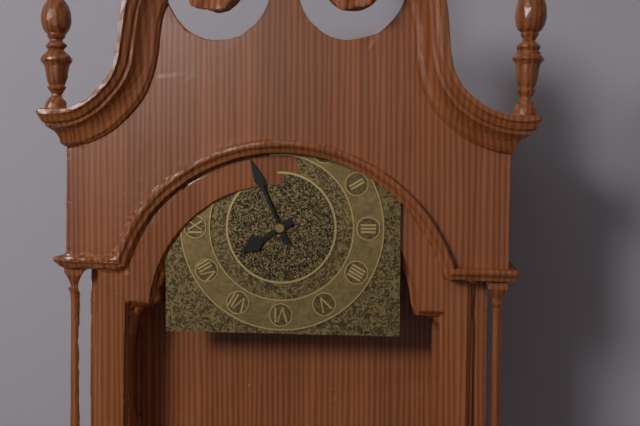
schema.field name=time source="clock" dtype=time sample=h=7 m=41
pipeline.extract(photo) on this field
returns h=7 m=56
